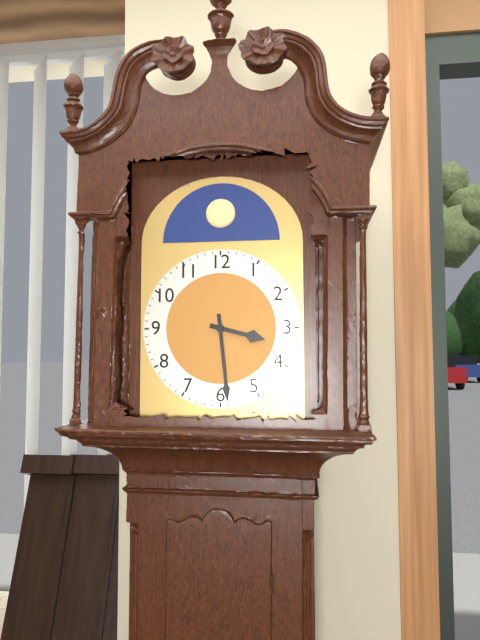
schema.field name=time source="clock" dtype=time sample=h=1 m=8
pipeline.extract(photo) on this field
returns h=3 m=29
